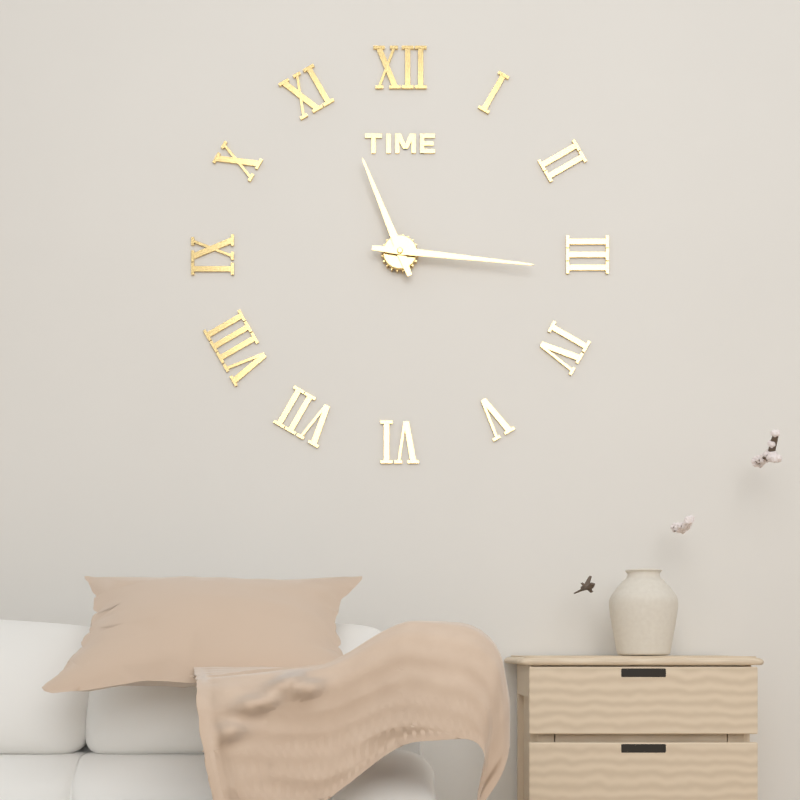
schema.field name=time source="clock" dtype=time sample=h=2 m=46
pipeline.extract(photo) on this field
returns h=11 m=16
